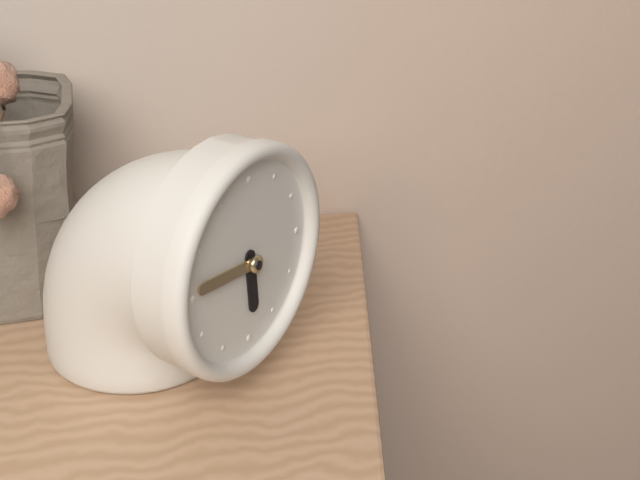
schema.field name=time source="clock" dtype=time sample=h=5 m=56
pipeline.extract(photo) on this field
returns h=5 m=46
